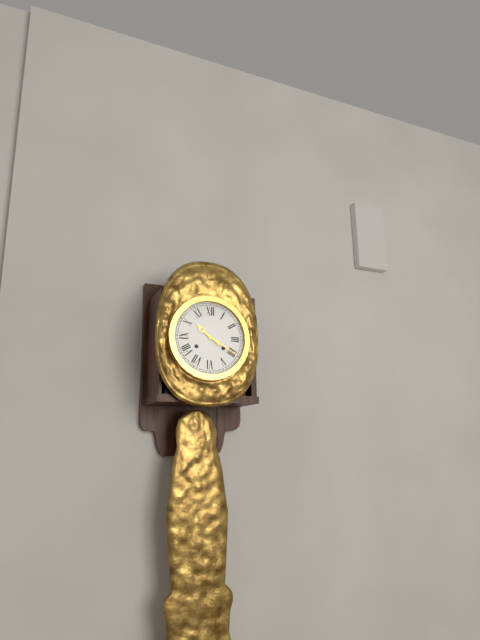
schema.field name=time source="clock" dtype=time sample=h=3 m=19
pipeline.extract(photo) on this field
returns h=10 m=20
